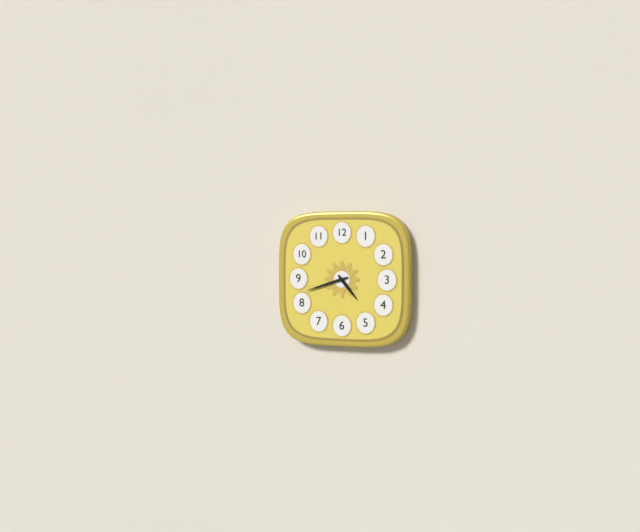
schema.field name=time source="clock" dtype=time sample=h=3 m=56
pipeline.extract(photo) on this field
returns h=4 m=42
